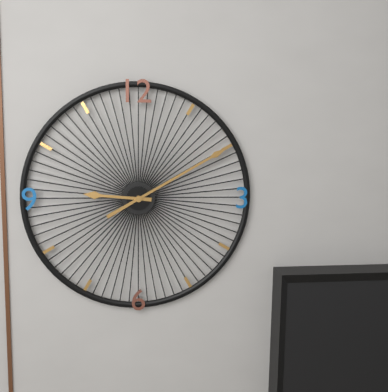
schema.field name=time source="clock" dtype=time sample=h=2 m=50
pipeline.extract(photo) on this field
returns h=9 m=10
